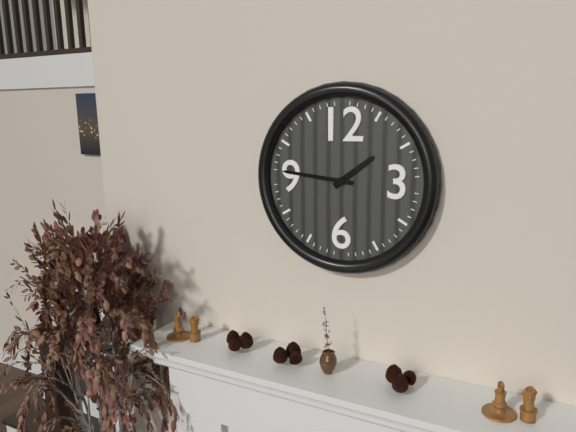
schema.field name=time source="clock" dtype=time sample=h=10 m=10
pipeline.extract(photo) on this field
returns h=1 m=46
